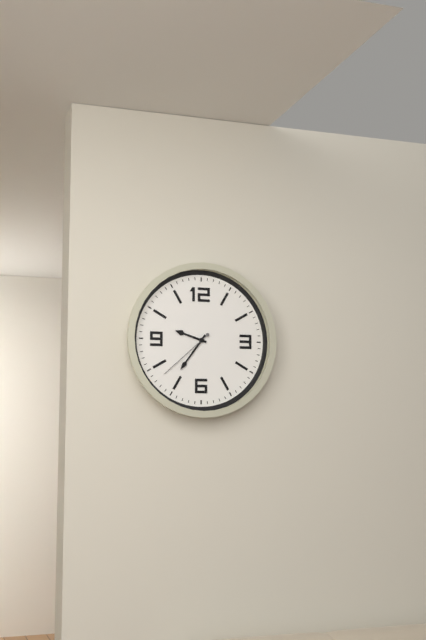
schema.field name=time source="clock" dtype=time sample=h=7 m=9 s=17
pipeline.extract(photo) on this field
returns h=9 m=36 s=38
